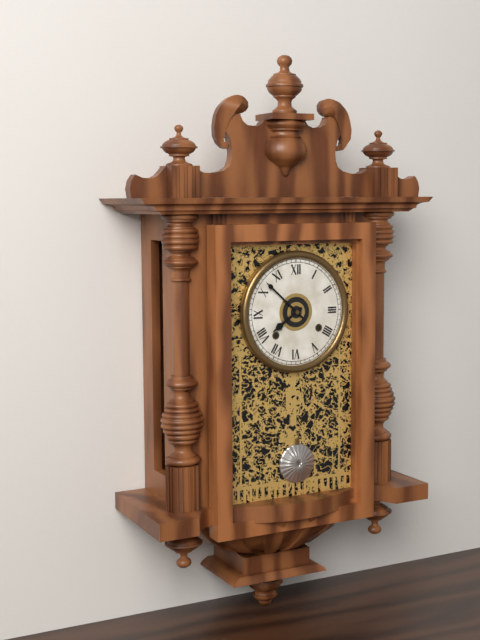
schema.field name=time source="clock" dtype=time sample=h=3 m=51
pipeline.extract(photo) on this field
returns h=7 m=52
